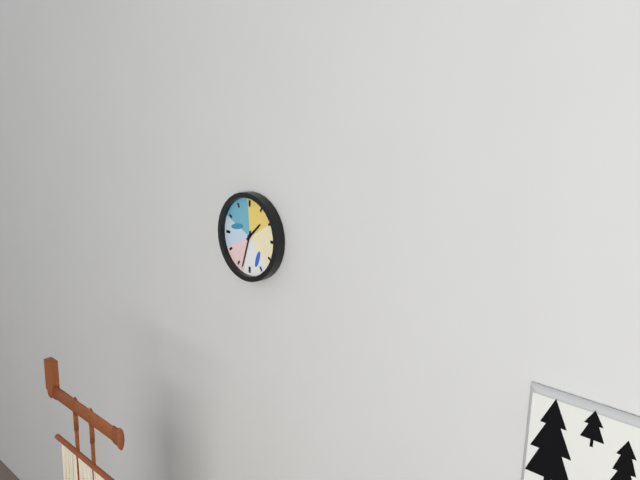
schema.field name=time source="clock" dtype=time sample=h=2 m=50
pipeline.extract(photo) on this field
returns h=1 m=33
